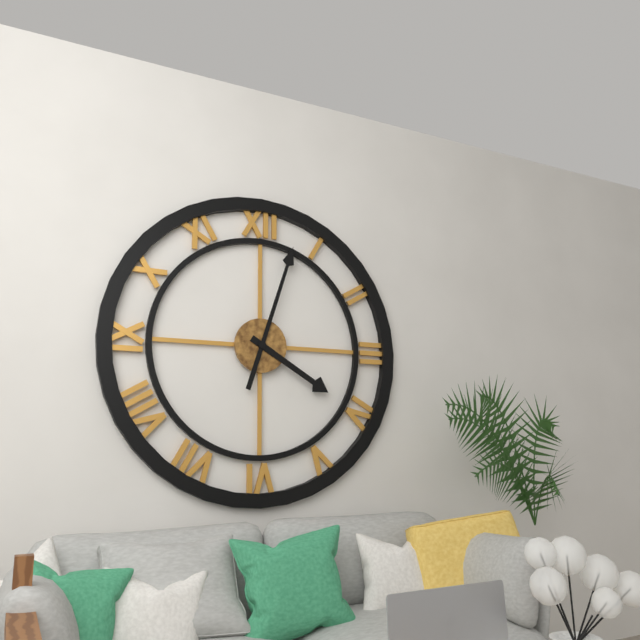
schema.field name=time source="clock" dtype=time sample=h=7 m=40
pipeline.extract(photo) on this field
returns h=4 m=3
